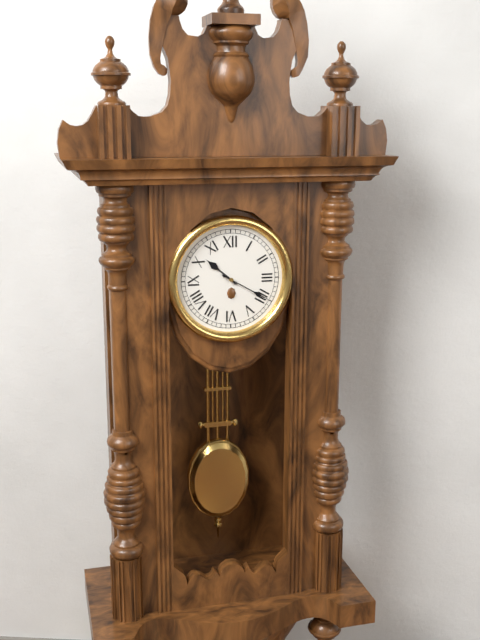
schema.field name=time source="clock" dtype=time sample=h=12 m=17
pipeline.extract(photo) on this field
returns h=10 m=20
